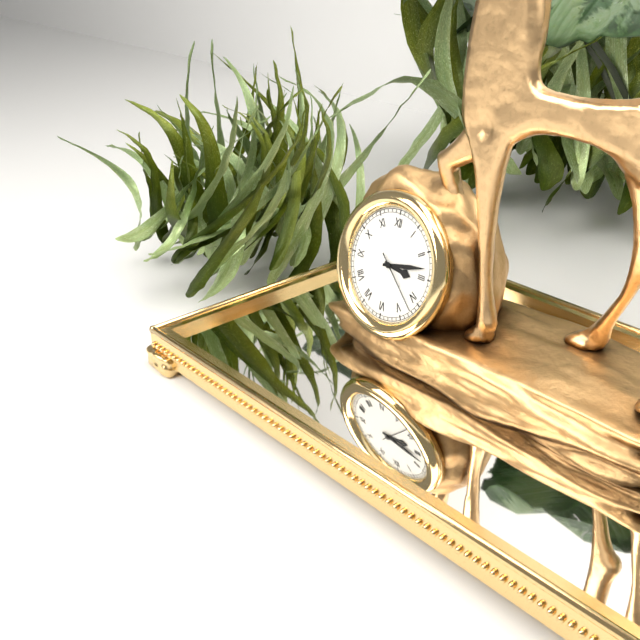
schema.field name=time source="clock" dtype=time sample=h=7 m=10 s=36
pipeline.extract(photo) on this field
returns h=3 m=13 s=22
